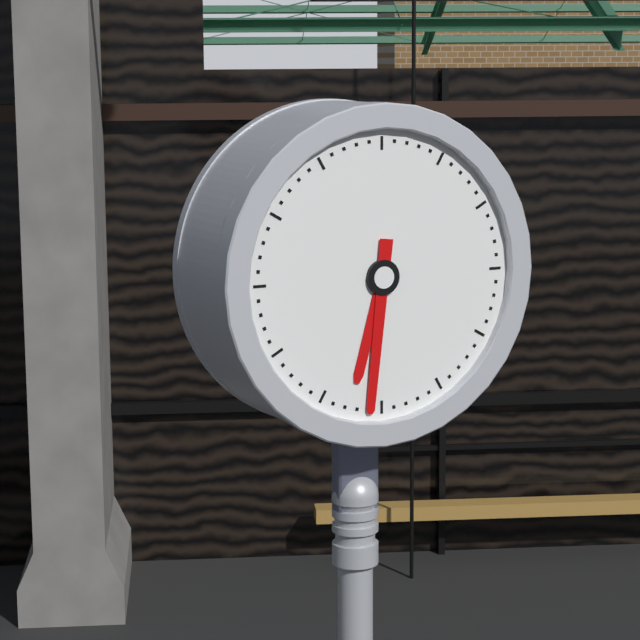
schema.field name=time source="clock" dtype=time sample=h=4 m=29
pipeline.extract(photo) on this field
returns h=6 m=31
